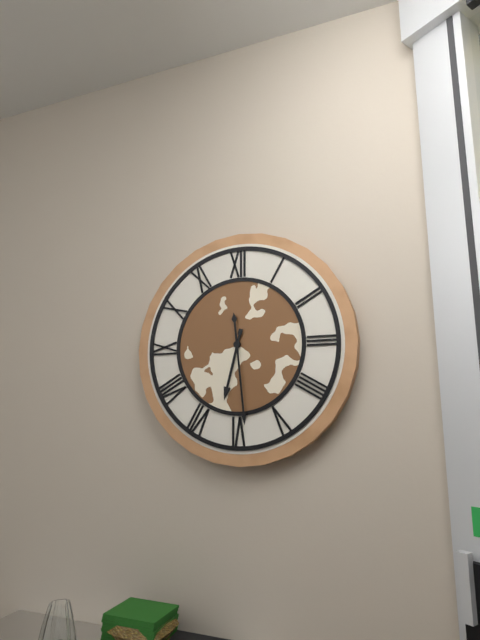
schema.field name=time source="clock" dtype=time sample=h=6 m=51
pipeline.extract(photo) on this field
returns h=6 m=29
